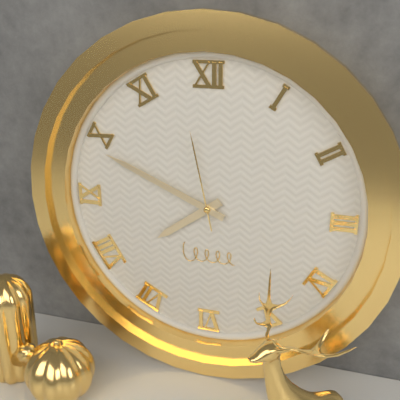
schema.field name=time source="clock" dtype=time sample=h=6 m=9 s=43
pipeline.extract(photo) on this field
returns h=7 m=49 s=58
